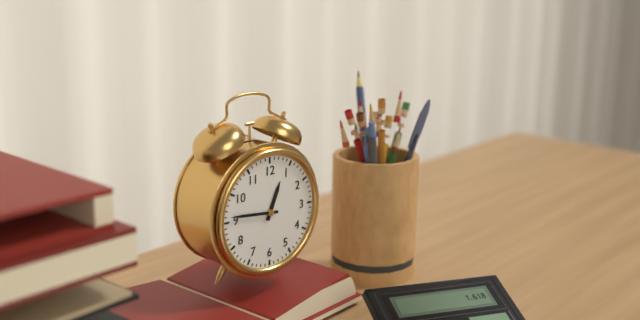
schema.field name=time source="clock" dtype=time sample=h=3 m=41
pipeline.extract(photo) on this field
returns h=12 m=46
